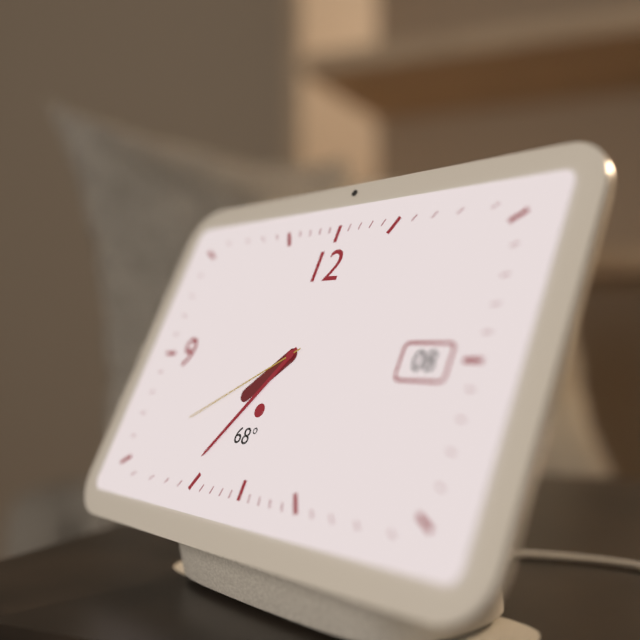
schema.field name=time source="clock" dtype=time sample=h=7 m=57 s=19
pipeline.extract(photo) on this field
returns h=7 m=36 s=40
